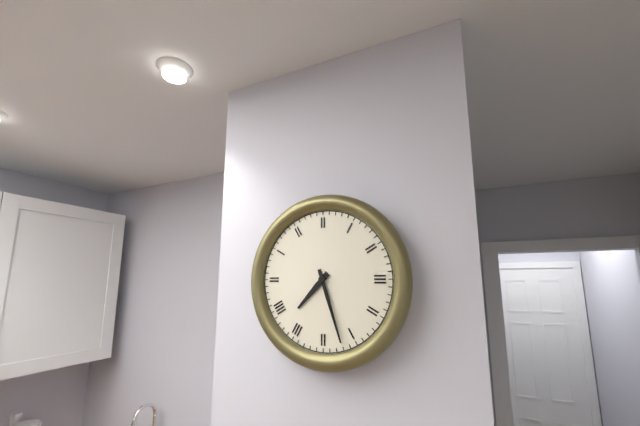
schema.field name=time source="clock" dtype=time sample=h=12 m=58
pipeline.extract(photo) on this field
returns h=7 m=27
